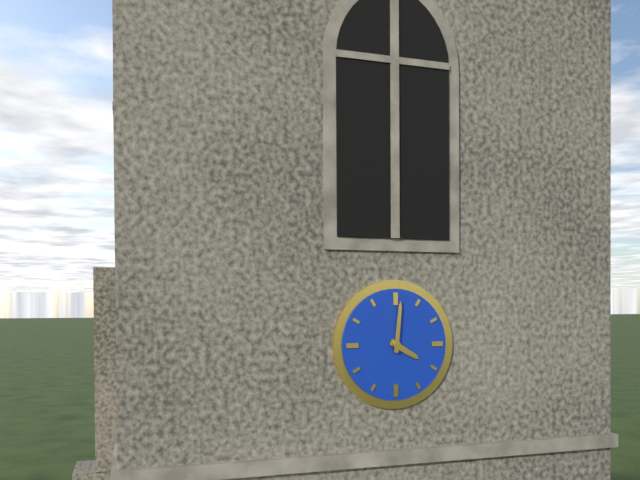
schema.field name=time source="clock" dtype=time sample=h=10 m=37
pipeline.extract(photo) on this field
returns h=4 m=1
